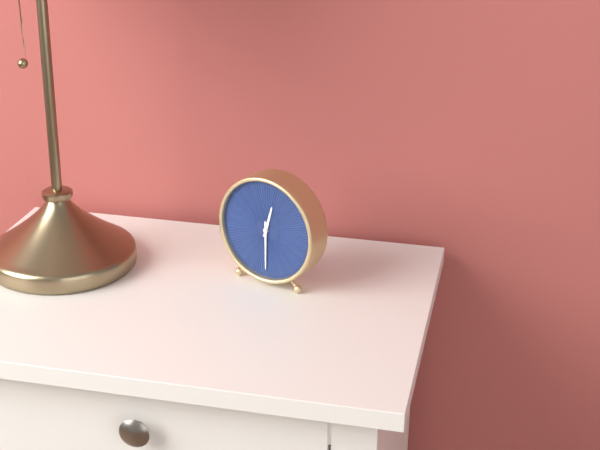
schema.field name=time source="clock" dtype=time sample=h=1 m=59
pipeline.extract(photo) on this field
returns h=12 m=30
